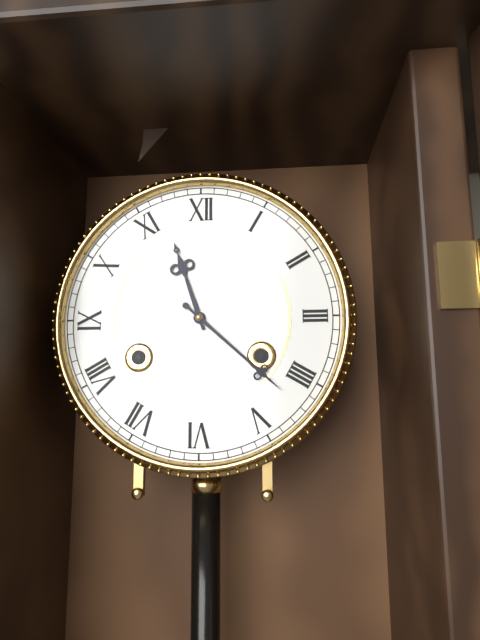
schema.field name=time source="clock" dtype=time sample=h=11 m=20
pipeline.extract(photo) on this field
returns h=11 m=22
